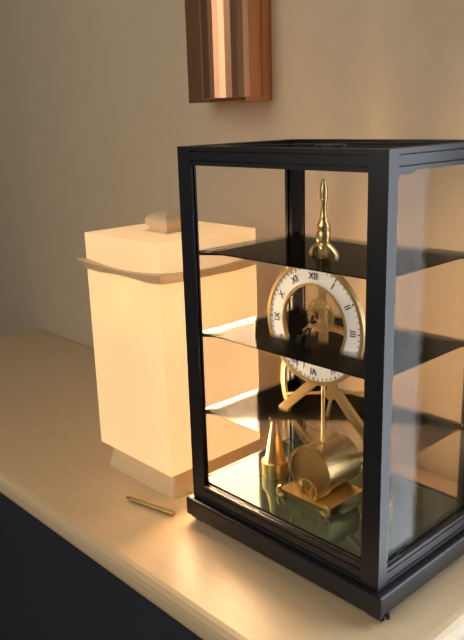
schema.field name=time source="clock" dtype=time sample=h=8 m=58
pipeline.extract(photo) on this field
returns h=7 m=32
